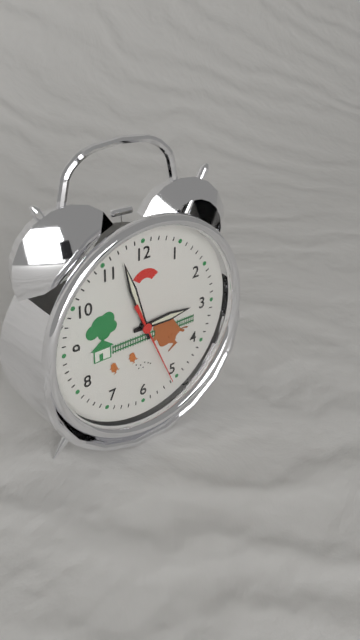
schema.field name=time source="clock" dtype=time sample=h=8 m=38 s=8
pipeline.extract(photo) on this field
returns h=2 m=57 s=26
